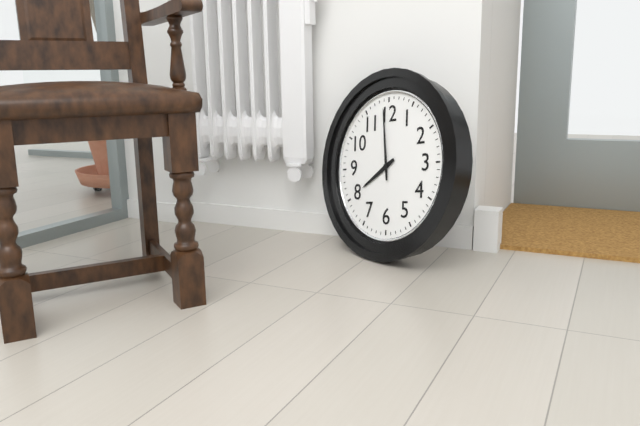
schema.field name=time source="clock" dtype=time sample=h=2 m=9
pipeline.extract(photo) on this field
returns h=7 m=59
